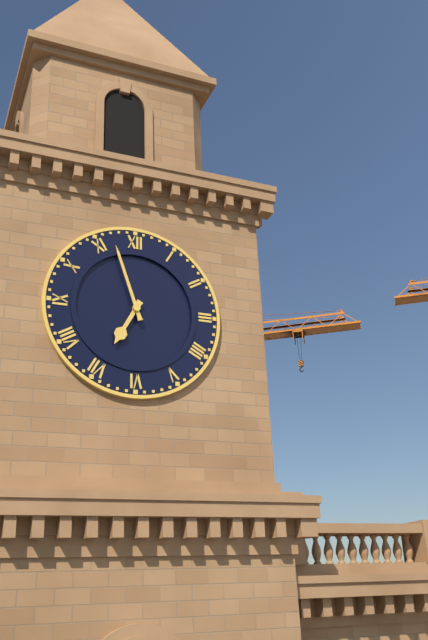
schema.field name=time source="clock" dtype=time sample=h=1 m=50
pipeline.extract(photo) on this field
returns h=6 m=57
